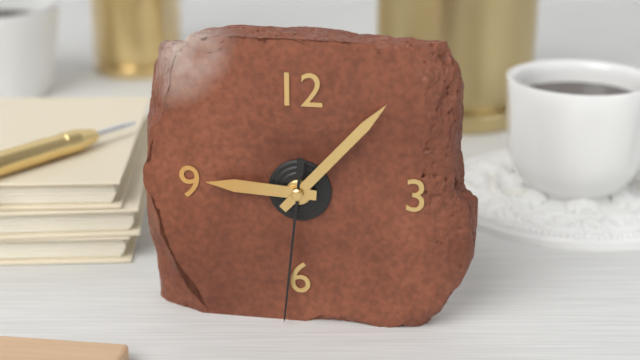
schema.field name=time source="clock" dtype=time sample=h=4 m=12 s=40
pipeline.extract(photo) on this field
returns h=9 m=7 s=31
